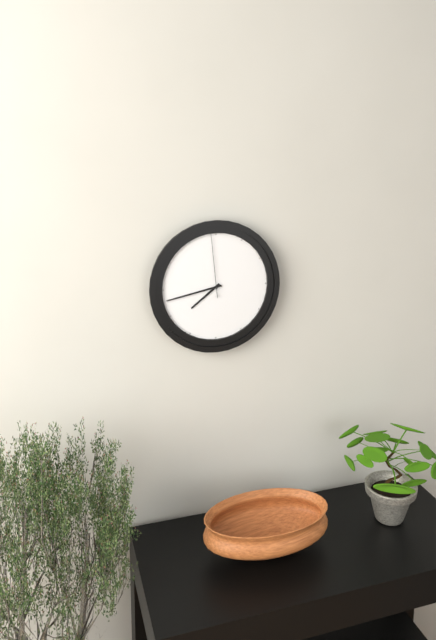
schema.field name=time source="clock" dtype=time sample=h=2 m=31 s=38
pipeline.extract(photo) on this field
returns h=7 m=43 s=59
